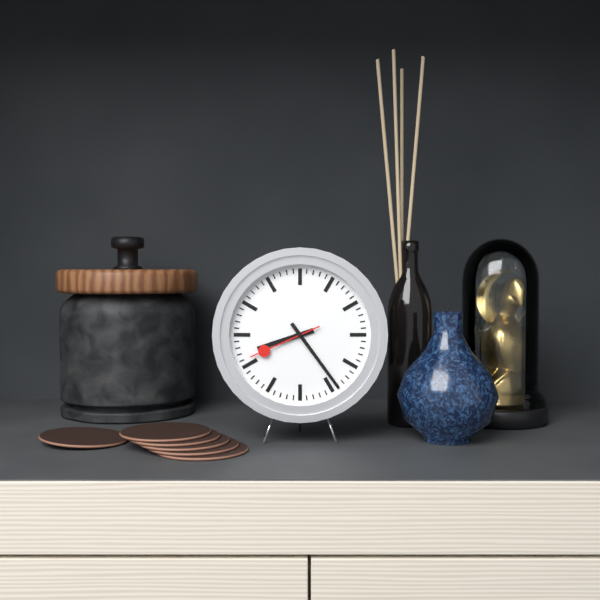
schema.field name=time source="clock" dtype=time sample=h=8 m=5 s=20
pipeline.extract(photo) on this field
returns h=8 m=24 s=41
